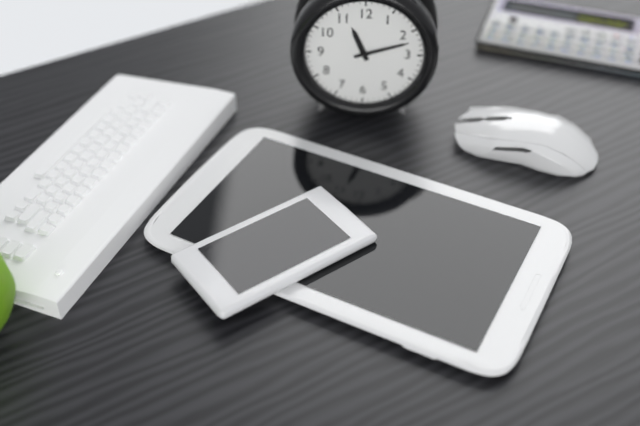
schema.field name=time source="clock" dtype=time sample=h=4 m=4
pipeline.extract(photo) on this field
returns h=11 m=12
